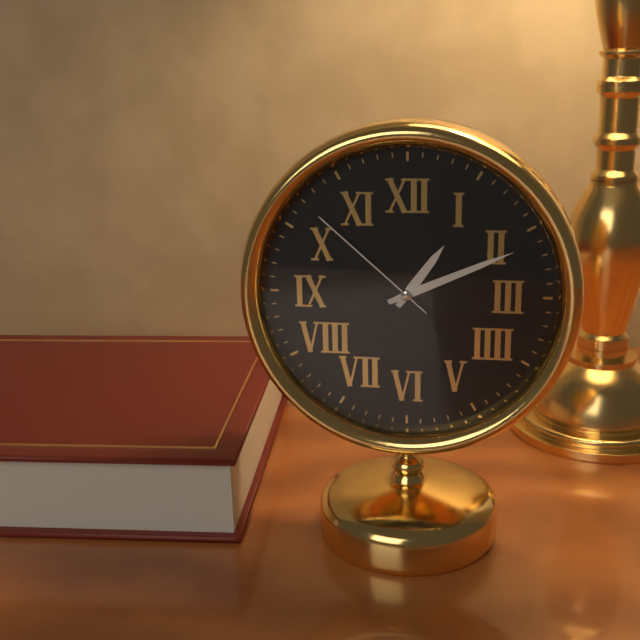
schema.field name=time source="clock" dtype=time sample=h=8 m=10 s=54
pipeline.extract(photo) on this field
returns h=1 m=11 s=52
